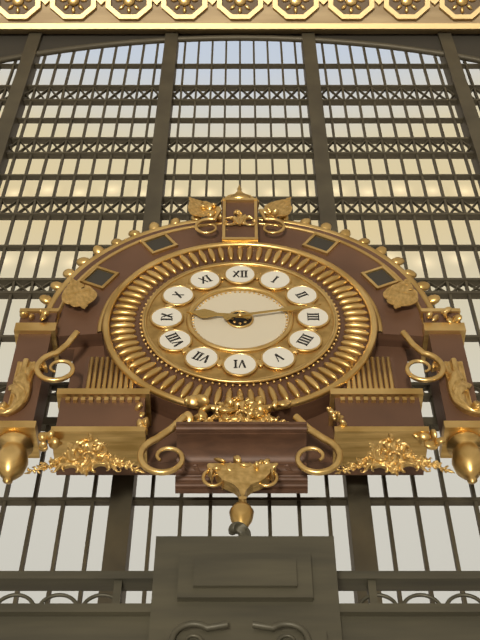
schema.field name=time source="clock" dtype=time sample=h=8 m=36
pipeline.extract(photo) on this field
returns h=9 m=13
